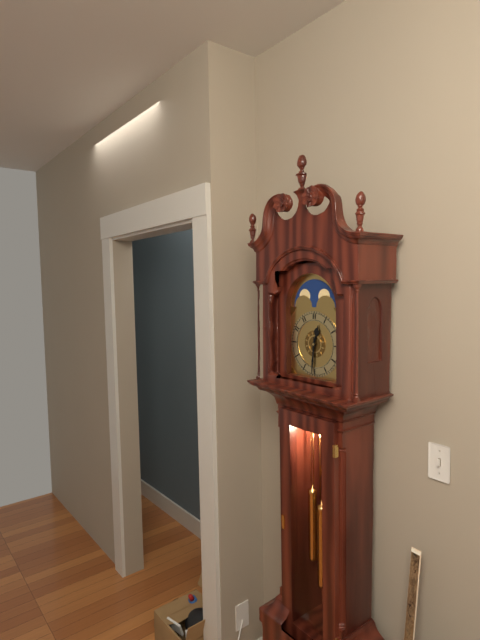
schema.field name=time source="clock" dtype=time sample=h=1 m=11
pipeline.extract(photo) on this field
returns h=12 m=31
